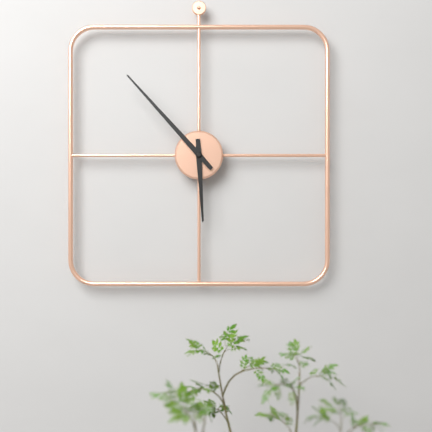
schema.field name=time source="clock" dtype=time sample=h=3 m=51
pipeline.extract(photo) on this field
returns h=5 m=53
